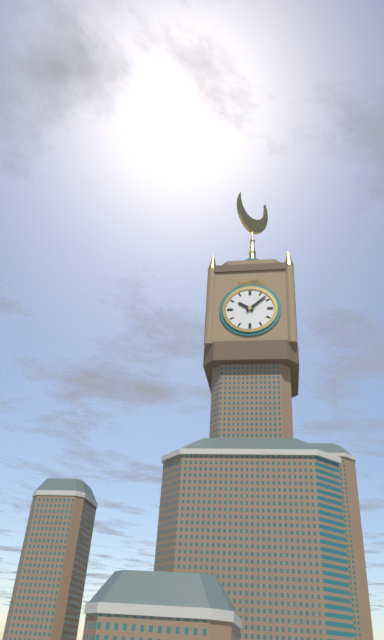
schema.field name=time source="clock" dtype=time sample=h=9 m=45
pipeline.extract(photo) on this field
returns h=10 m=8
